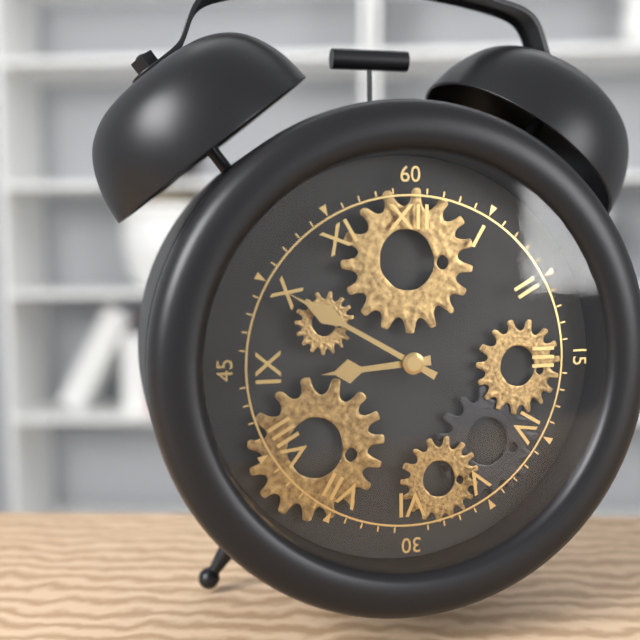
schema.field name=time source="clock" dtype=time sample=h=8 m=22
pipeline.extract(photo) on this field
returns h=8 m=50
